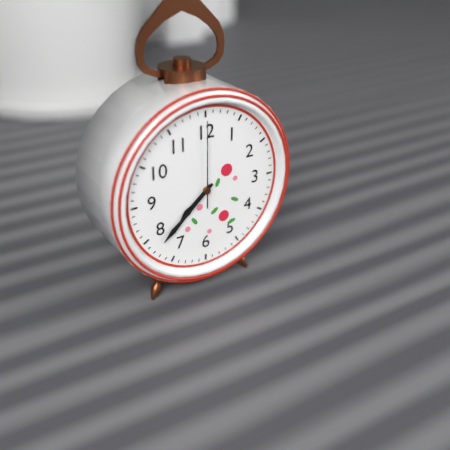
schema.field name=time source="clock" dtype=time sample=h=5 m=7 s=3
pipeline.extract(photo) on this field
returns h=7 m=38 s=0
